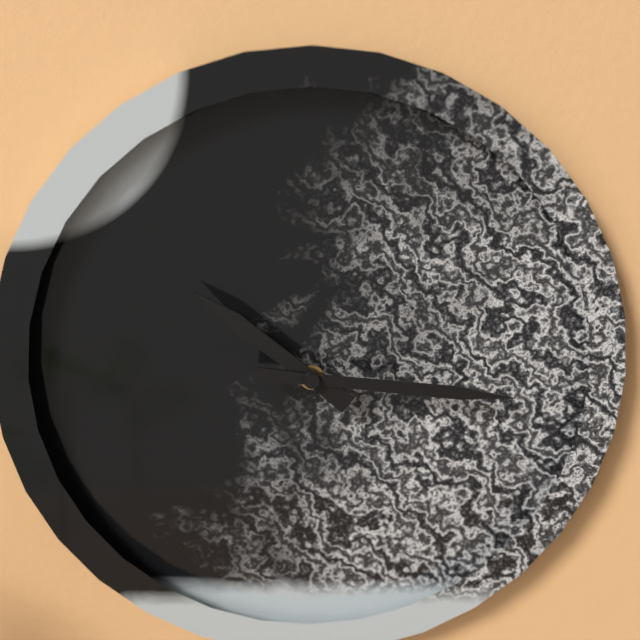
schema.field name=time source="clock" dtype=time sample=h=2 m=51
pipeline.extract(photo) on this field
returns h=10 m=16
